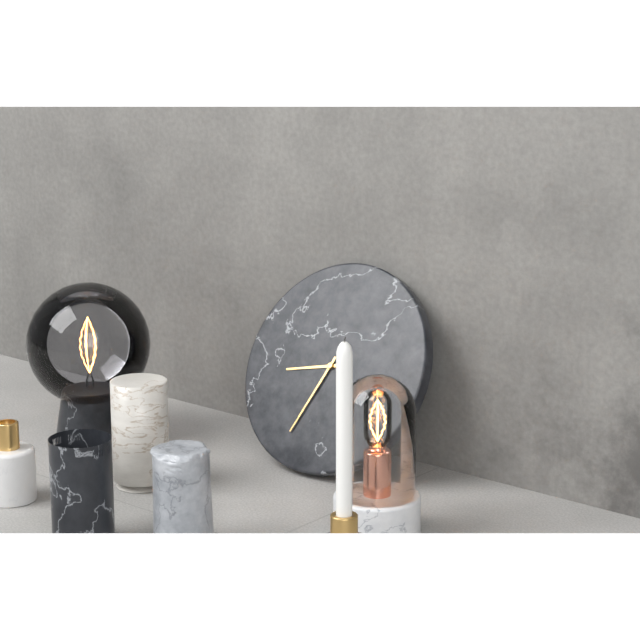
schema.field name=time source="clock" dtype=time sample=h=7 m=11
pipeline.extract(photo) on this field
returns h=8 m=33
